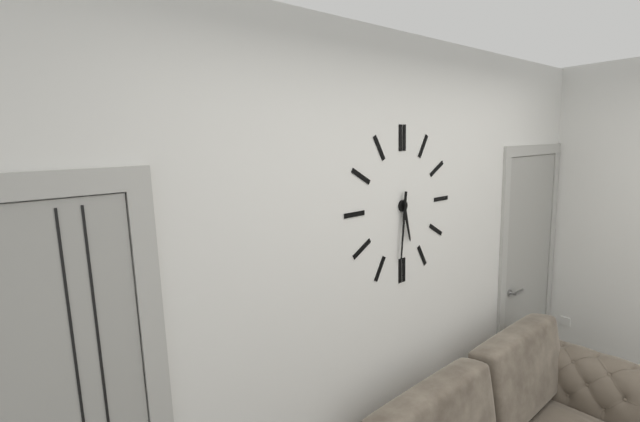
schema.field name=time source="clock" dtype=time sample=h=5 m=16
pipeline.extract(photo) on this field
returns h=5 m=31
